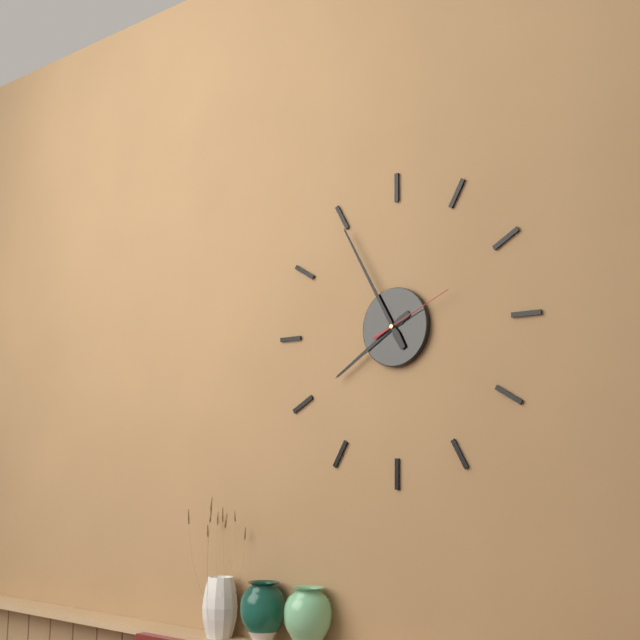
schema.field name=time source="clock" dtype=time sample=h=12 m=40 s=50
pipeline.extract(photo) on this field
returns h=7 m=55 s=11
